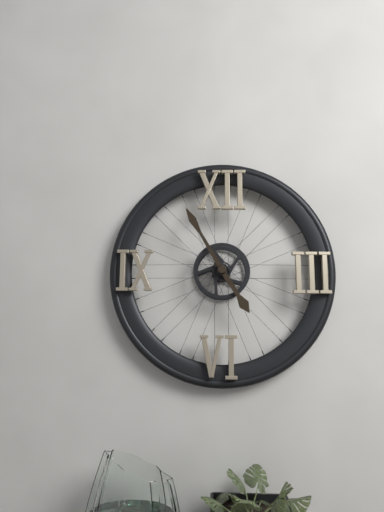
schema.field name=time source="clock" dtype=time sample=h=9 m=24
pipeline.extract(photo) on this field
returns h=4 m=55
